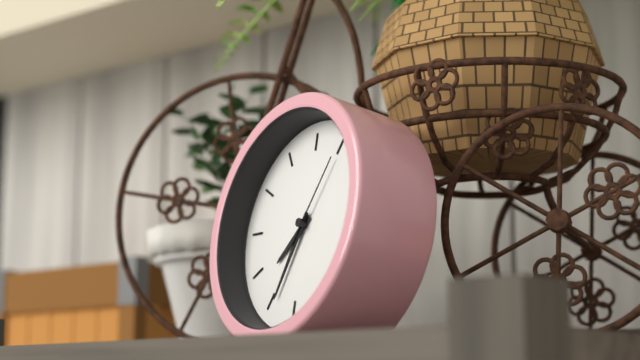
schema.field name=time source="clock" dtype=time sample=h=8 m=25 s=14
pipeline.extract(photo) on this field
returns h=7 m=34 s=5
